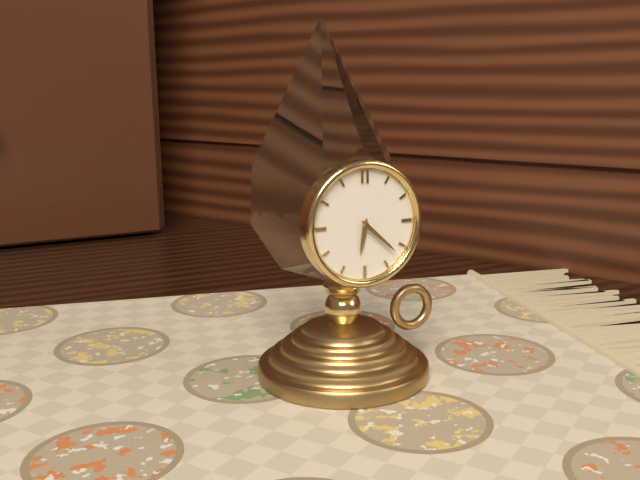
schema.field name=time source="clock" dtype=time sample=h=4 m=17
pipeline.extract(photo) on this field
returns h=6 m=22
